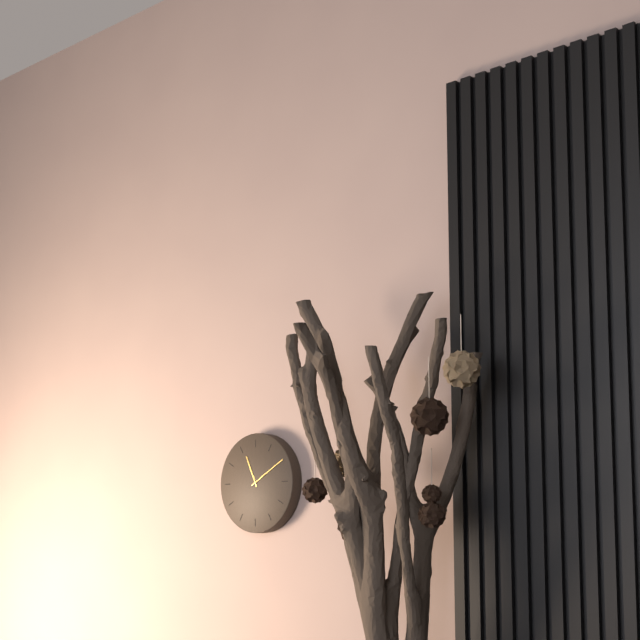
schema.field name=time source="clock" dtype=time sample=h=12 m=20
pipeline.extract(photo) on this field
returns h=11 m=10
